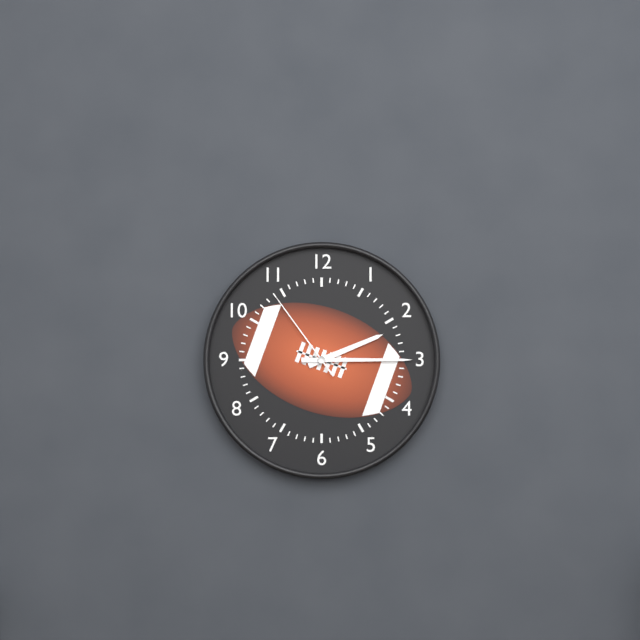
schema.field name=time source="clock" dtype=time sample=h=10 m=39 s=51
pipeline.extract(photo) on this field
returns h=2 m=15 s=54
